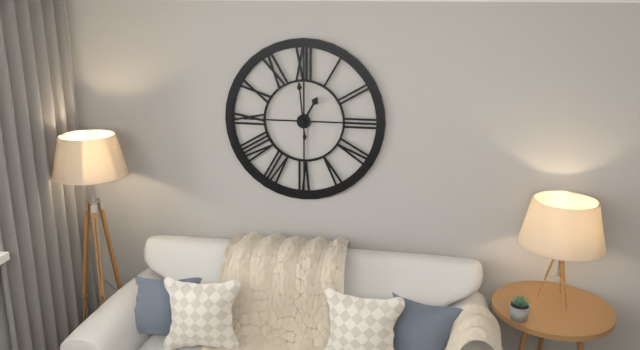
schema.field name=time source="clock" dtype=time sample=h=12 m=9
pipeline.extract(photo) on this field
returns h=12 m=59
